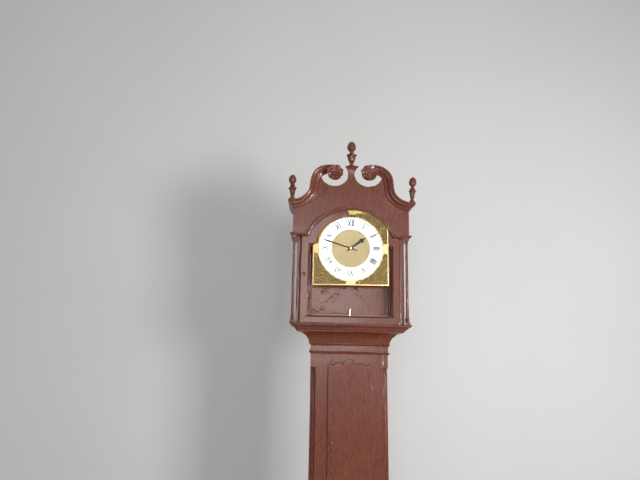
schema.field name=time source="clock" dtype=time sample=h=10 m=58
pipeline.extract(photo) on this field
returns h=1 m=48
